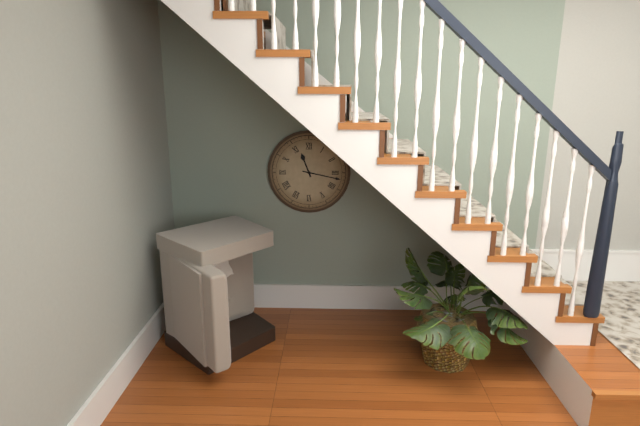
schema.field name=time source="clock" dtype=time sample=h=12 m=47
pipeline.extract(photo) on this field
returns h=11 m=17
